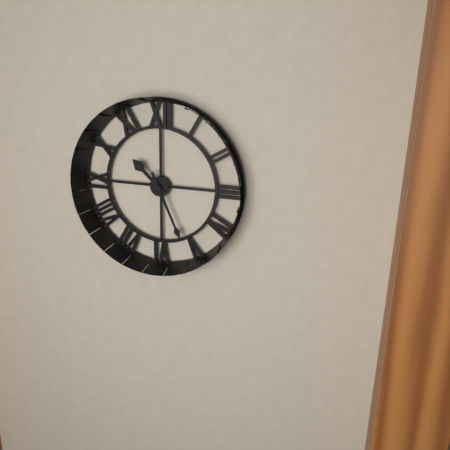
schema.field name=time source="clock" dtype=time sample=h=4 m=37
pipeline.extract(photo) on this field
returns h=10 m=26
